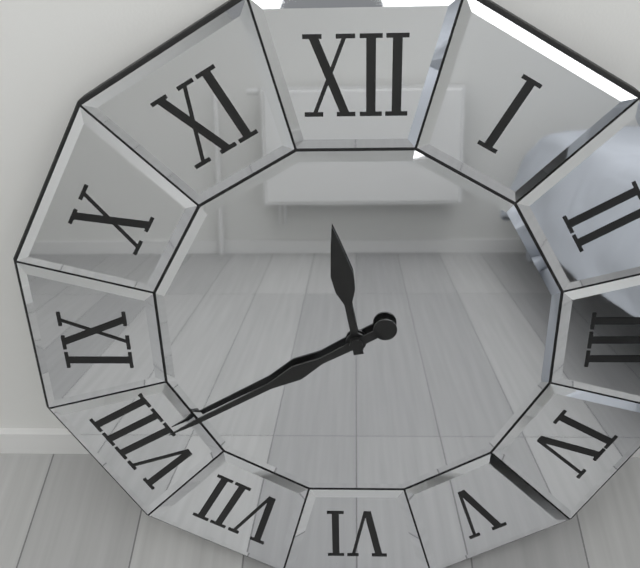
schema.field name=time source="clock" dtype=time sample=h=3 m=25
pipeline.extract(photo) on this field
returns h=11 m=40
